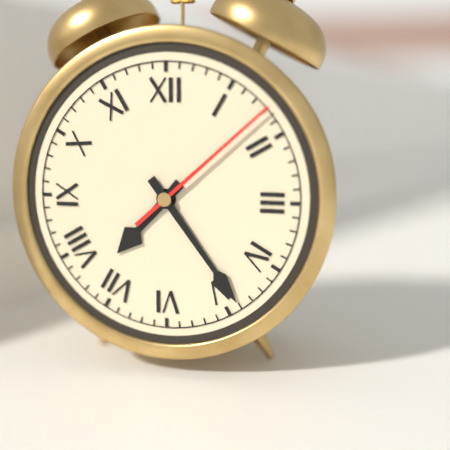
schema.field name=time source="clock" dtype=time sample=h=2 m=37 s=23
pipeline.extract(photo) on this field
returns h=7 m=24 s=8
